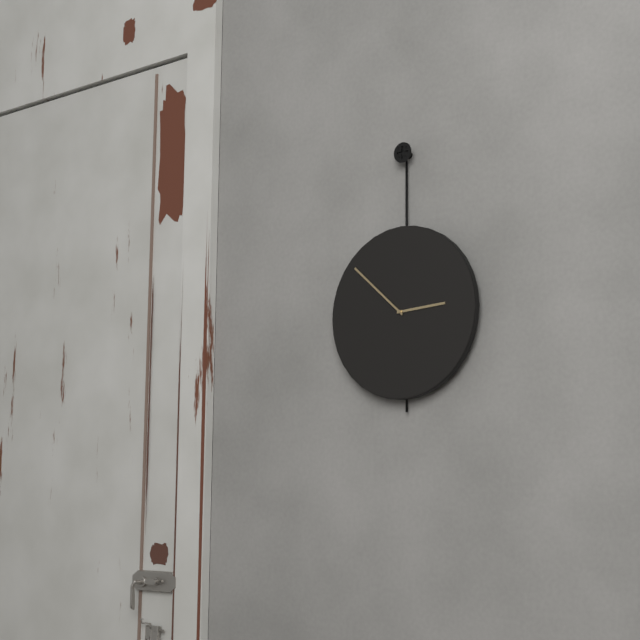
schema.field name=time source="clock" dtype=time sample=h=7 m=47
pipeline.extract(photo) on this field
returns h=2 m=52
